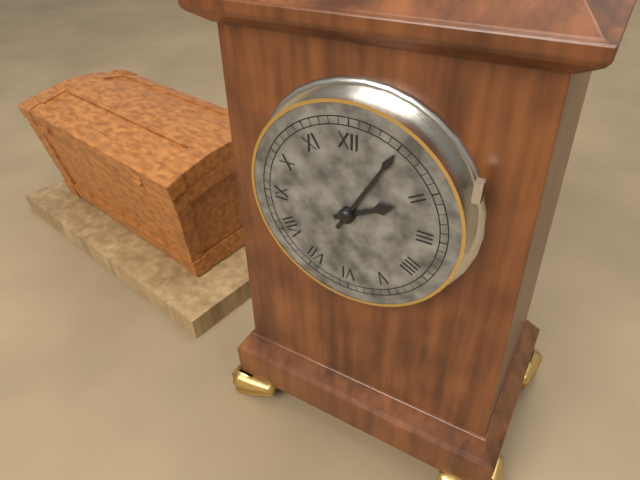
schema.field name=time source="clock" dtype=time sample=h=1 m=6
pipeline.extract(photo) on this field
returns h=2 m=5
